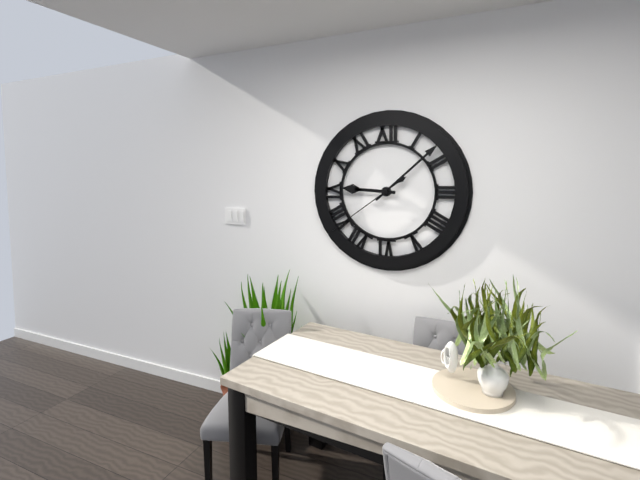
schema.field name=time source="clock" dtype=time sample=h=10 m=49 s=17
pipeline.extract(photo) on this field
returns h=9 m=8 s=39
